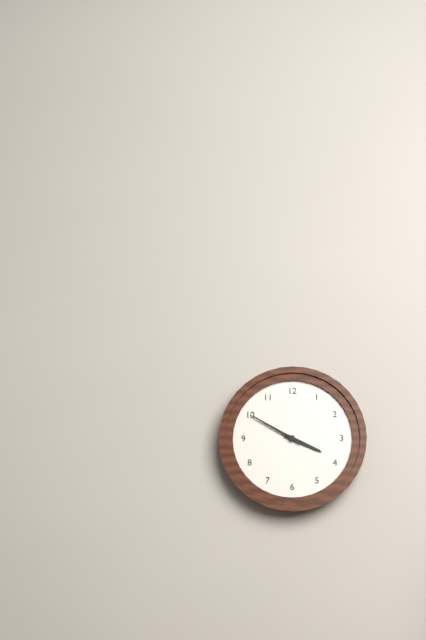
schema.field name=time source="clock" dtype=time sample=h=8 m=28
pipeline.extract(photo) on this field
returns h=3 m=50
